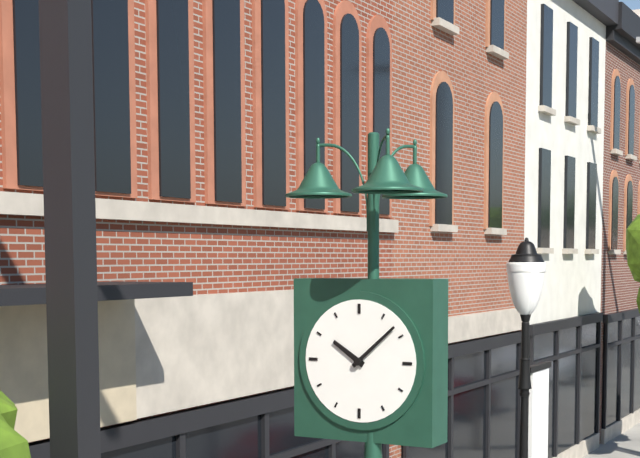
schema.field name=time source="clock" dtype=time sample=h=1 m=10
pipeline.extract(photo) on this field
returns h=10 m=8
